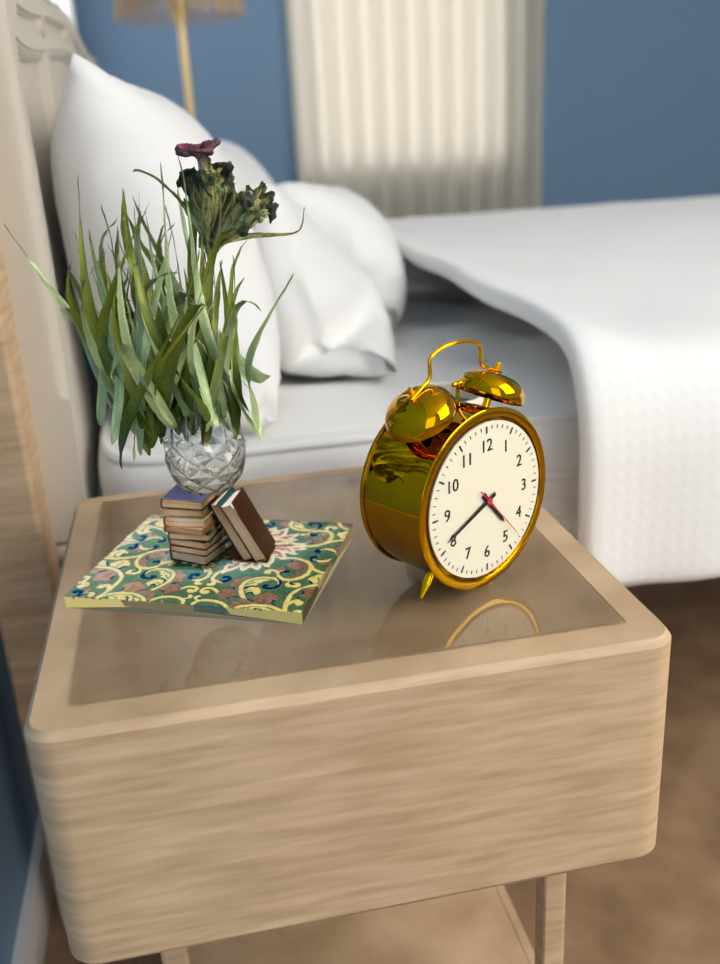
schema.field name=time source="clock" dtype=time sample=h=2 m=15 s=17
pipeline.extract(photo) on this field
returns h=4 m=41 s=23
